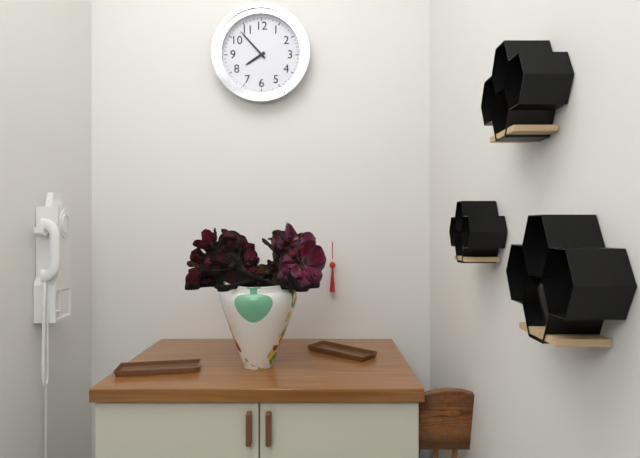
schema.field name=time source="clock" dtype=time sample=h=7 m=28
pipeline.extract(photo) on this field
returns h=7 m=53
